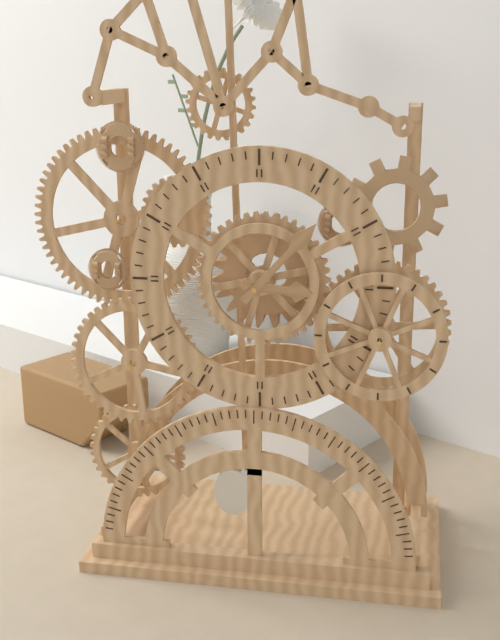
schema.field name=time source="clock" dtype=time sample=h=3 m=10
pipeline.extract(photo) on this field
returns h=3 m=7
